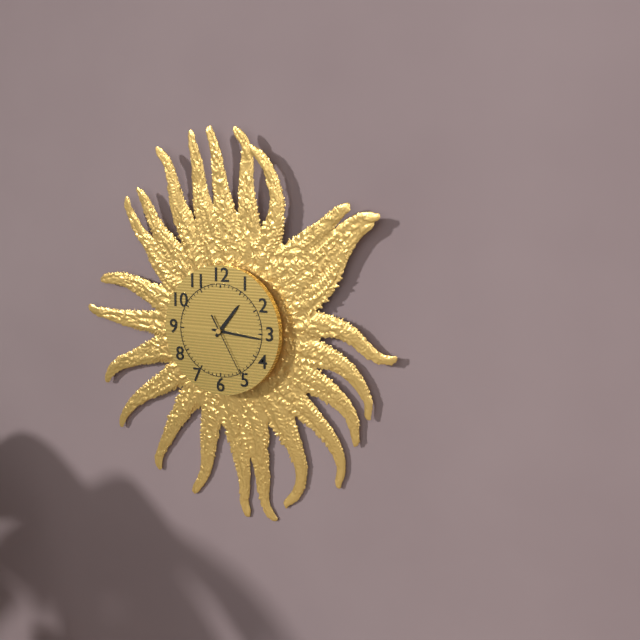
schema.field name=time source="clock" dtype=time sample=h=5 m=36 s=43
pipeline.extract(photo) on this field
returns h=1 m=16 s=25
